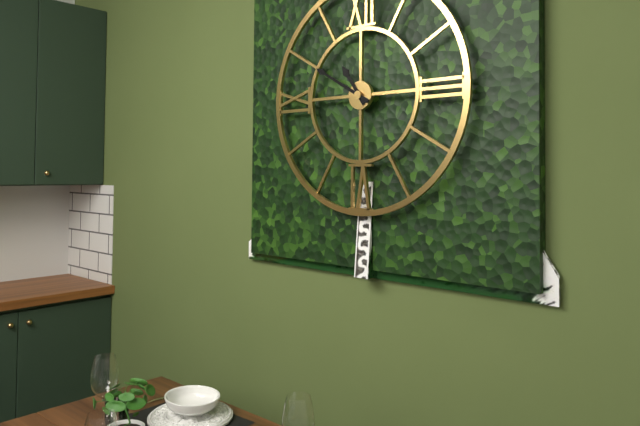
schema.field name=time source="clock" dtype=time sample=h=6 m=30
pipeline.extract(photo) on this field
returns h=10 m=50
